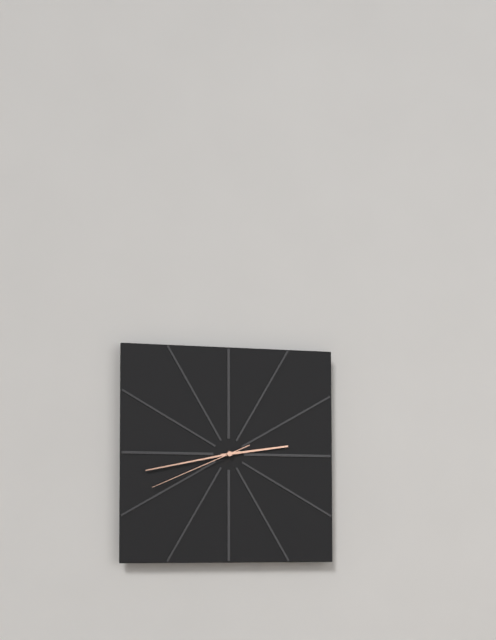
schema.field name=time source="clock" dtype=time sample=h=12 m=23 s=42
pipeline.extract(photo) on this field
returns h=2 m=43 s=41
